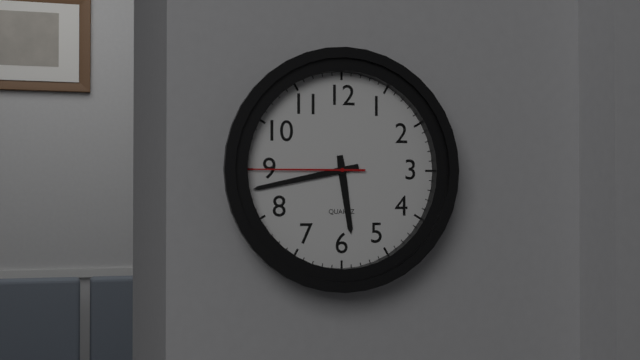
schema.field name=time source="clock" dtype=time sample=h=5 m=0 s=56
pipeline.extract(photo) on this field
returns h=5 m=43 s=45
